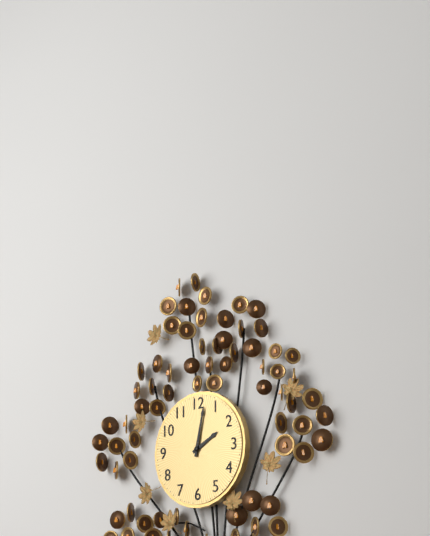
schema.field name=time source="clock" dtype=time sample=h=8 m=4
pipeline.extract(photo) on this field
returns h=2 m=2
